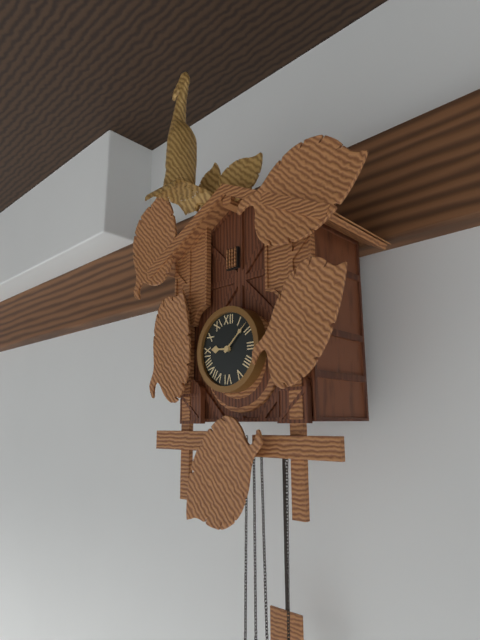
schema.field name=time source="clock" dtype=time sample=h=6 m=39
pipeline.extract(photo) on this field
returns h=9 m=8
